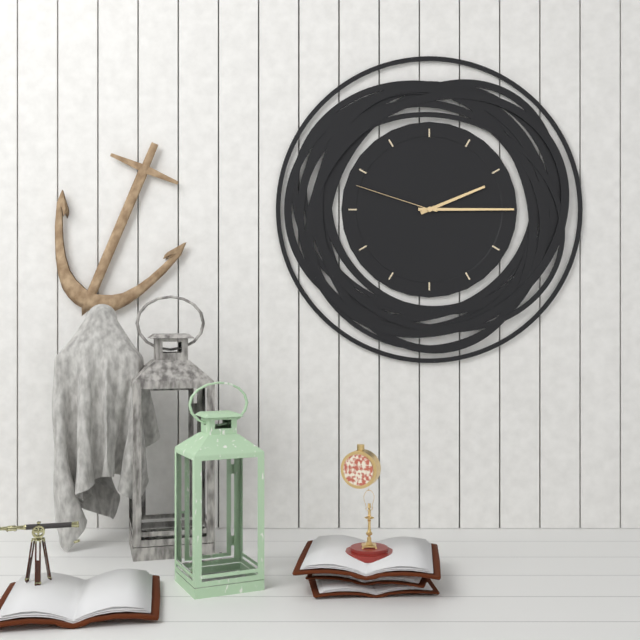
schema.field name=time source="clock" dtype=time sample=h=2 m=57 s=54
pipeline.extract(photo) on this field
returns h=2 m=15 s=48
